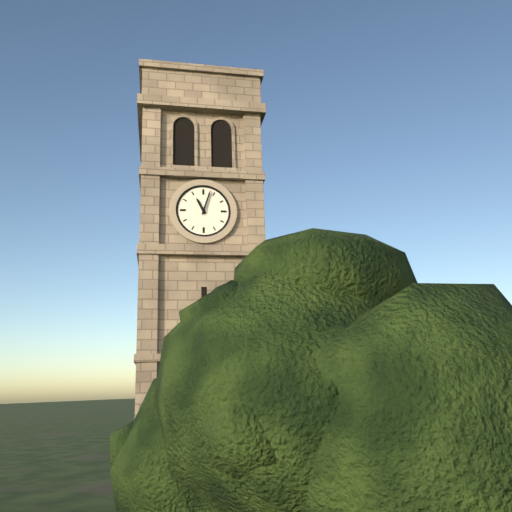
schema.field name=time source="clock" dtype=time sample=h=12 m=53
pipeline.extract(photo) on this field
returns h=11 m=3
